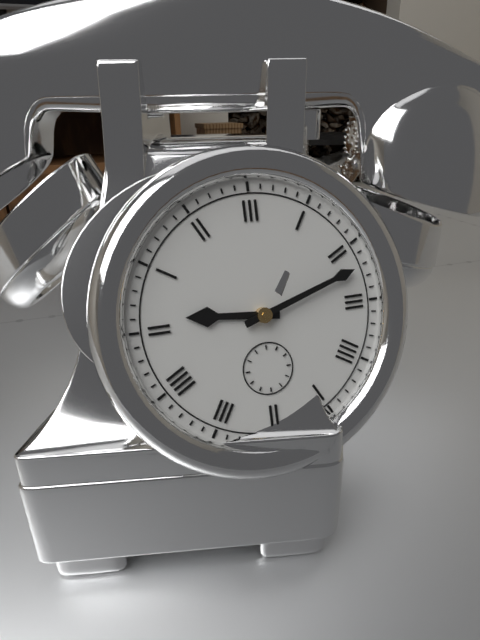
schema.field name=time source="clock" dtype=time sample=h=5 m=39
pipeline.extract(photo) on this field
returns h=9 m=12
